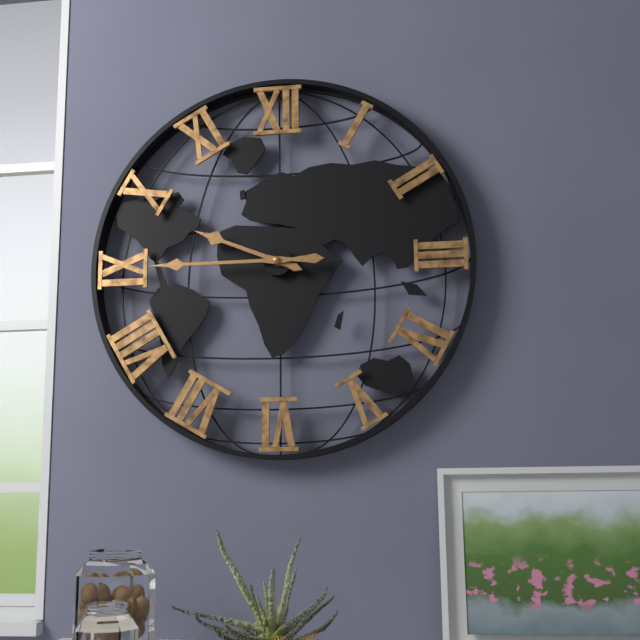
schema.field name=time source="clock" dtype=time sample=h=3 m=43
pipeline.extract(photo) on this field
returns h=9 m=45
